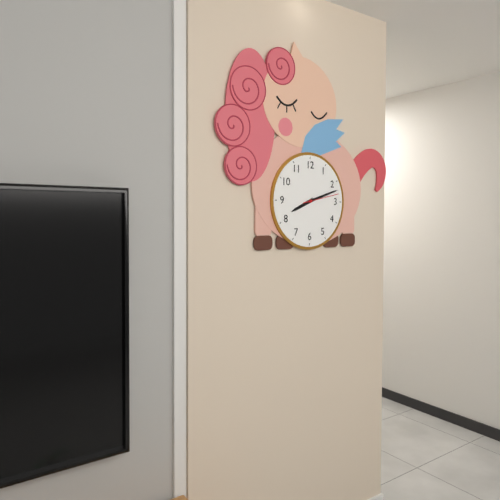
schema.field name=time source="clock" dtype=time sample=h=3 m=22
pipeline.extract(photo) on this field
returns h=8 m=12
